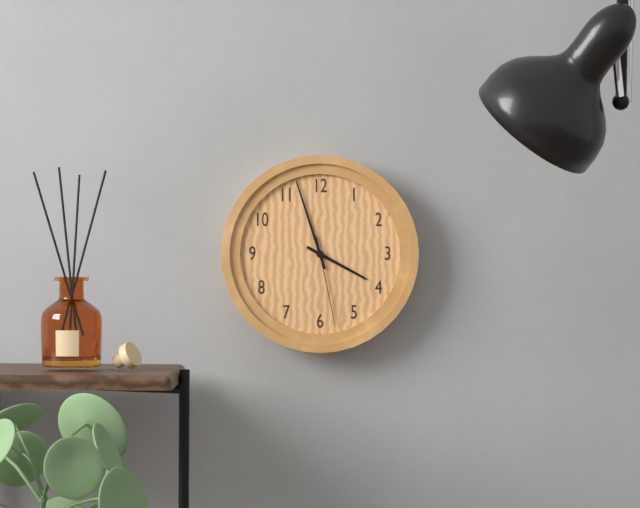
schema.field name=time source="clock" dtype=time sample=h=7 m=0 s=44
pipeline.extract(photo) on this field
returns h=3 m=57 s=28
